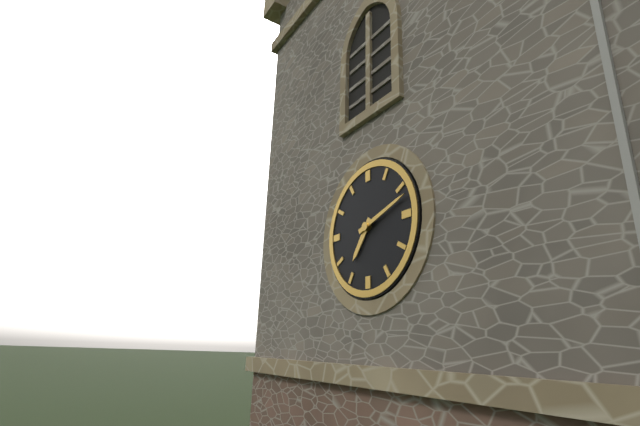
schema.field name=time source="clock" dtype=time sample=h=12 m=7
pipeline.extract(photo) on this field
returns h=7 m=12
